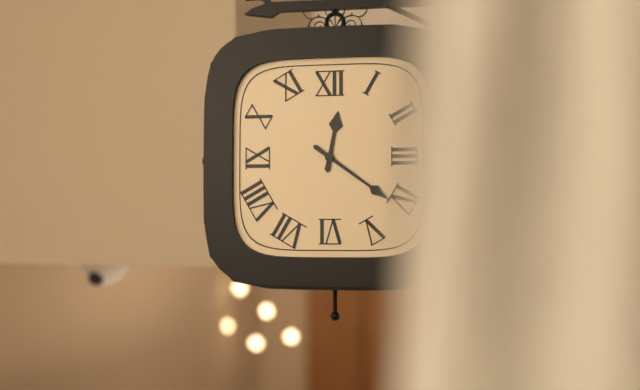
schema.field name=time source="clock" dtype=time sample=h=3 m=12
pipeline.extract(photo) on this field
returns h=12 m=21
